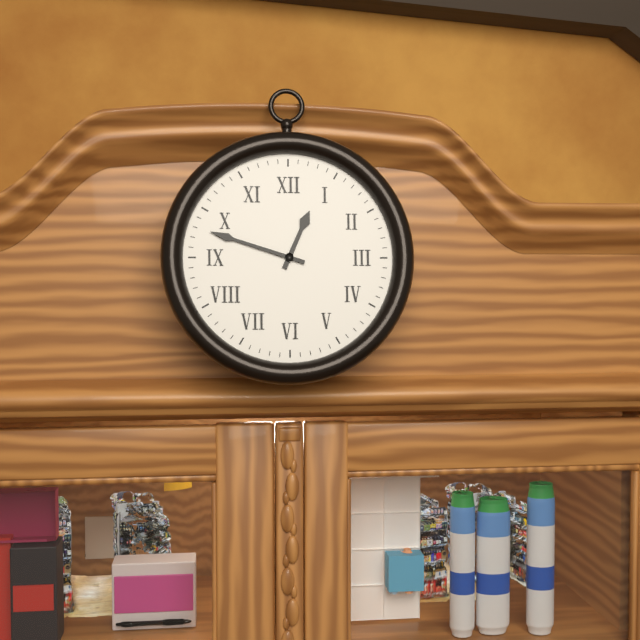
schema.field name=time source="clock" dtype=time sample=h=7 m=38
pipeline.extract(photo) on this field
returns h=12 m=48
